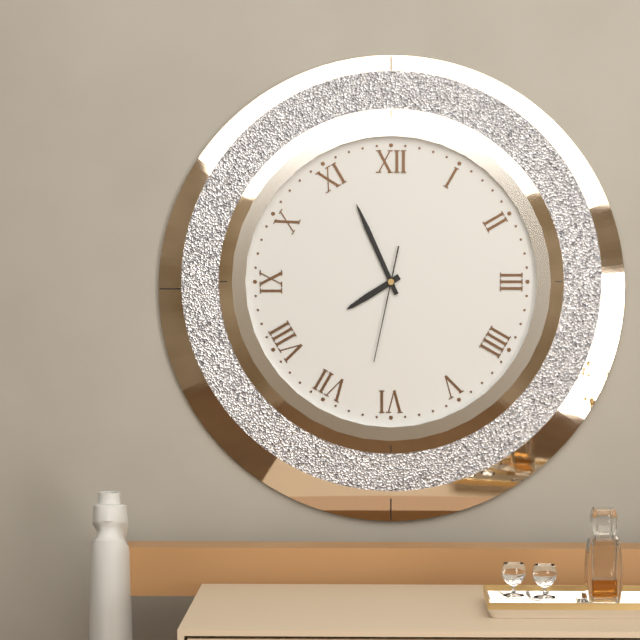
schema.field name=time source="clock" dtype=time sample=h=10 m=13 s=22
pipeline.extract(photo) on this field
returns h=7 m=56 s=32
